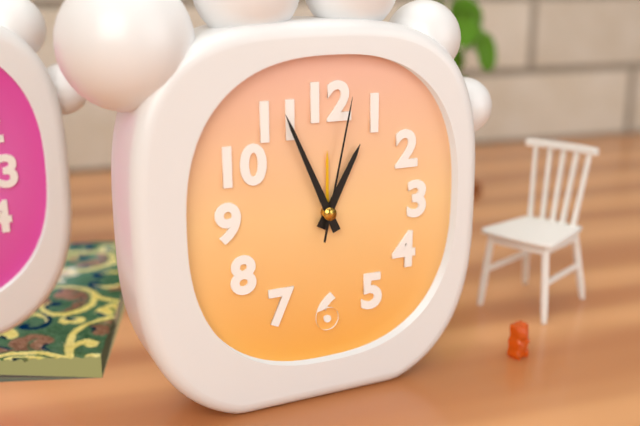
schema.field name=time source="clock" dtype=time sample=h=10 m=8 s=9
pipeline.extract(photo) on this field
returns h=12 m=56 s=2
